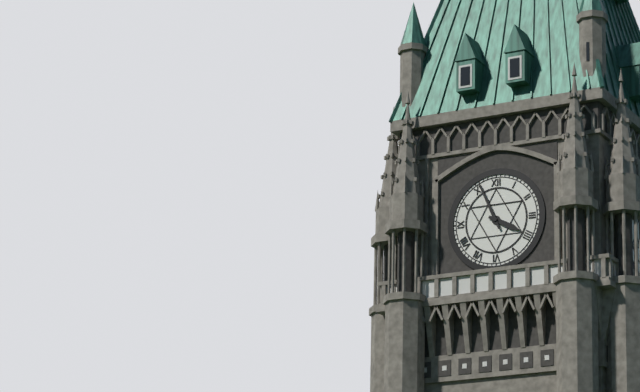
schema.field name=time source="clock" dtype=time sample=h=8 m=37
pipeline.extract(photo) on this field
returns h=3 m=56
